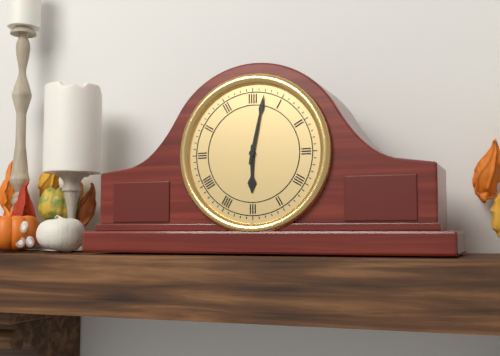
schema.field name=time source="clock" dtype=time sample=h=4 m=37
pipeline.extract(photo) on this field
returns h=6 m=2
